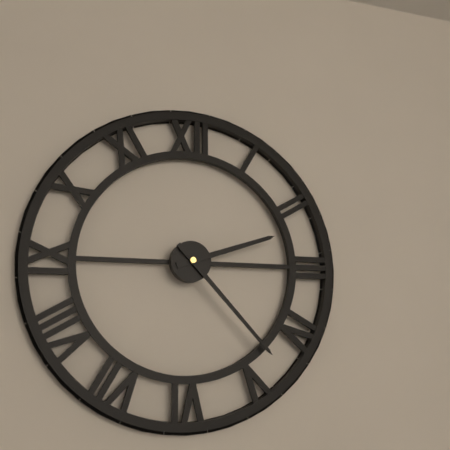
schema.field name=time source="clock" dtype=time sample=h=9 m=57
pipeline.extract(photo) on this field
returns h=2 m=23
